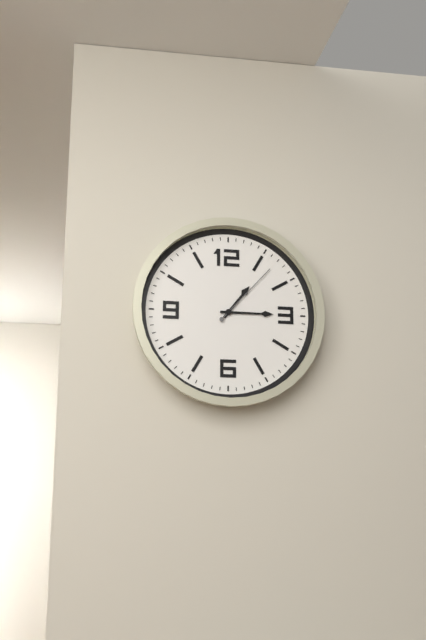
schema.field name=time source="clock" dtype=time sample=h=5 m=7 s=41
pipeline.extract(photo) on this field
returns h=1 m=15 s=7
